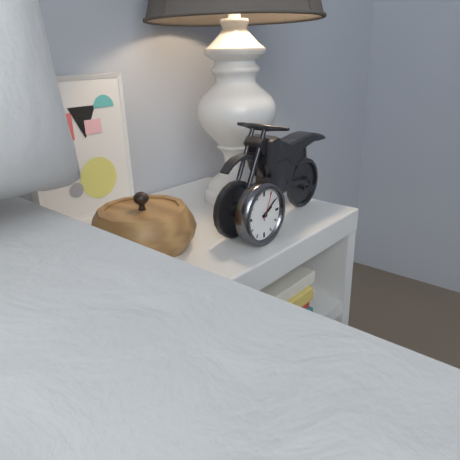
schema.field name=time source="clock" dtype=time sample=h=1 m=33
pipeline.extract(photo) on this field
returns h=2 m=9
